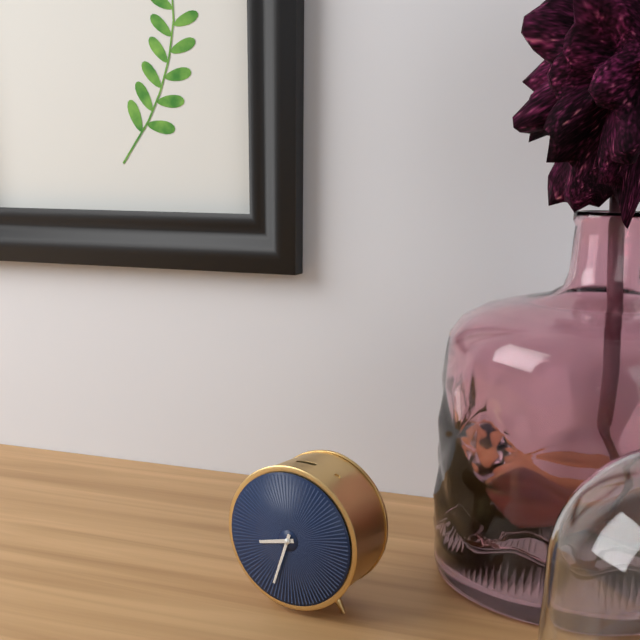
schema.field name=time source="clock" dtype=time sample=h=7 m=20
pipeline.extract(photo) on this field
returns h=8 m=33
